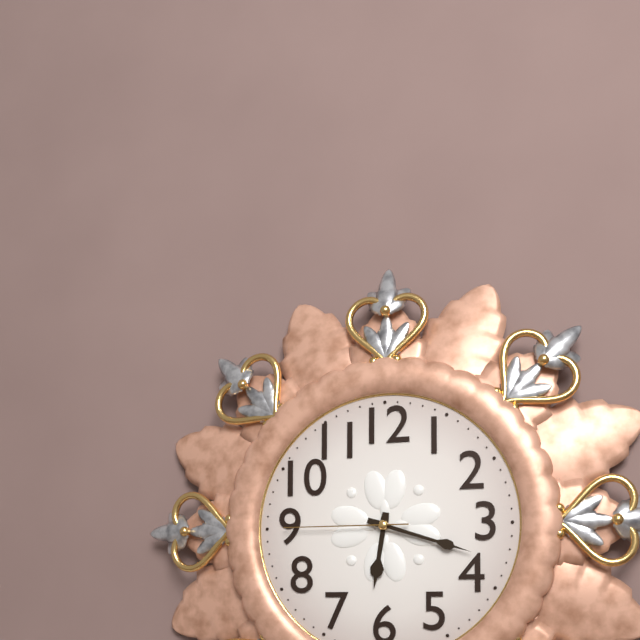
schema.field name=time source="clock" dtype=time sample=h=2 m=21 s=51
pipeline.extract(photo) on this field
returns h=6 m=18 s=45
